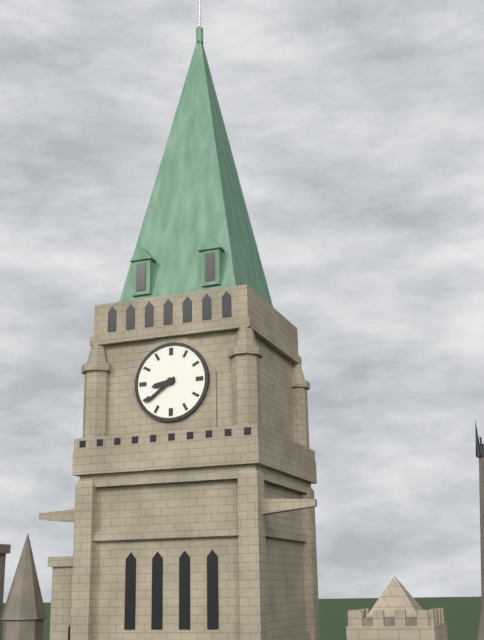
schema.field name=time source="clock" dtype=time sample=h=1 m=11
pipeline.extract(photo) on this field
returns h=8 m=39
